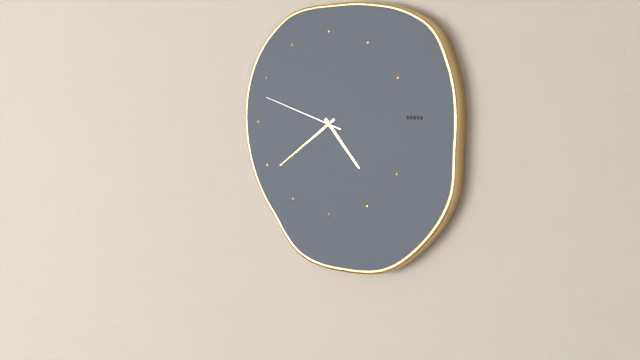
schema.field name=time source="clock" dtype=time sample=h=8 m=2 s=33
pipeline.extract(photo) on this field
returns h=4 m=39 s=48
